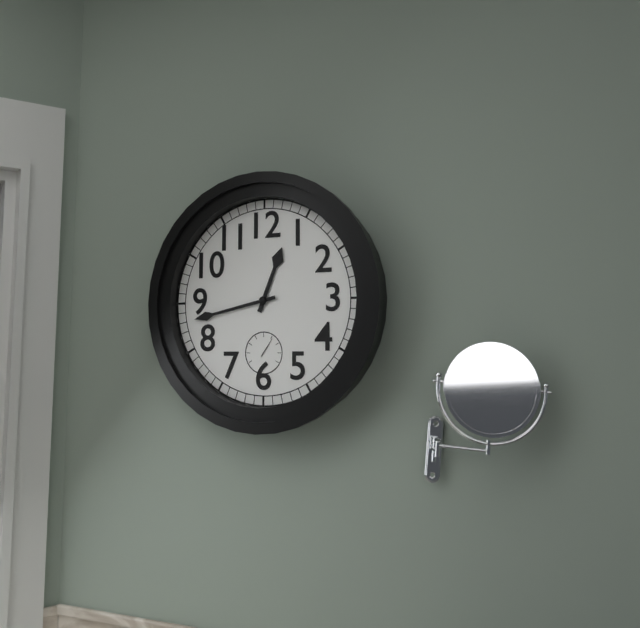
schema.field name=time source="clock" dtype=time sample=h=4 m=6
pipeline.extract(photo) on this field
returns h=12 m=43
